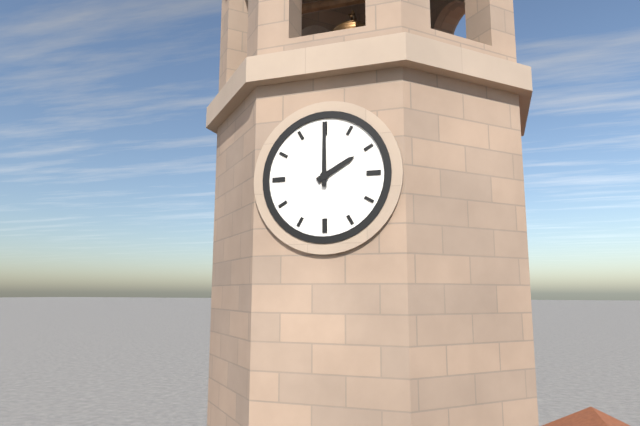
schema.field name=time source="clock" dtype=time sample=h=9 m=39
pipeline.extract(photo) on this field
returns h=2 m=0
